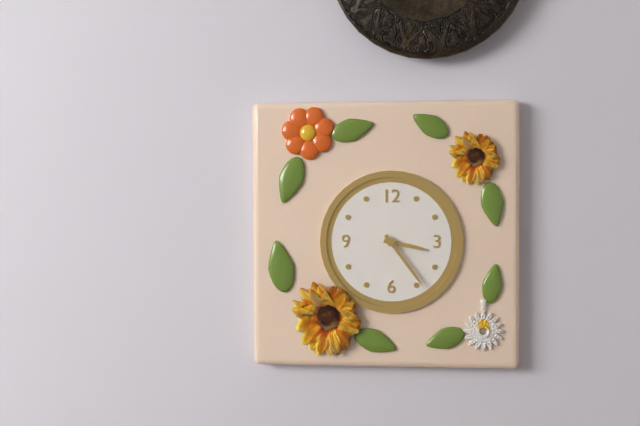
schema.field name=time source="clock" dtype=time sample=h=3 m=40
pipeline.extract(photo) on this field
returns h=3 m=24
